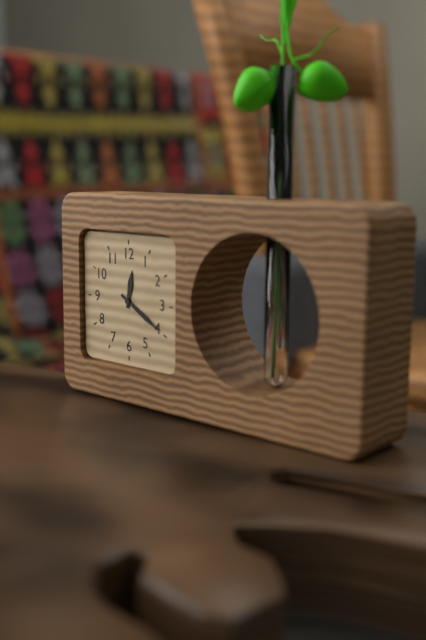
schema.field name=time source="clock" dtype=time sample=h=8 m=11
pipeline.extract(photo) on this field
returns h=12 m=20
